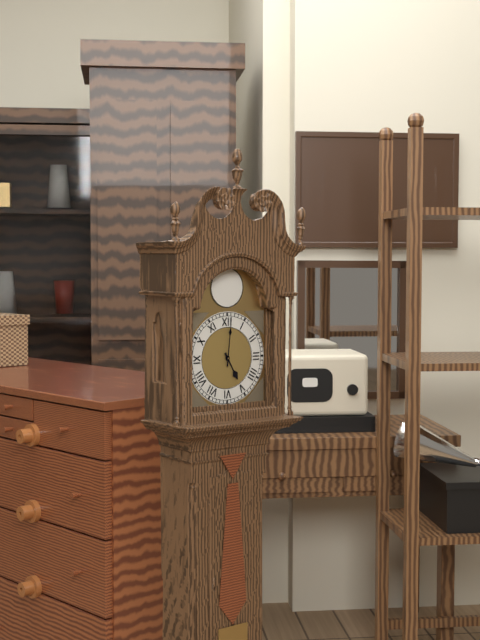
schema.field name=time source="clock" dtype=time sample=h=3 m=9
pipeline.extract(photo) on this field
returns h=5 m=1
